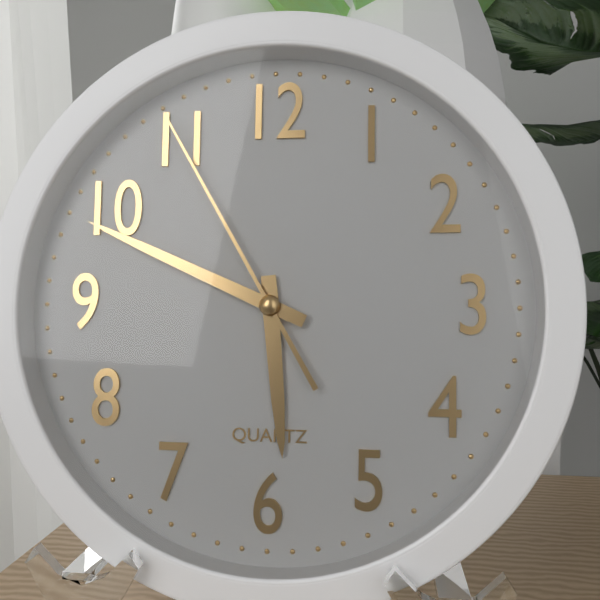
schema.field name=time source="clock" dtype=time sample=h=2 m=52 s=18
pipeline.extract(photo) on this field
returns h=5 m=49 s=55
